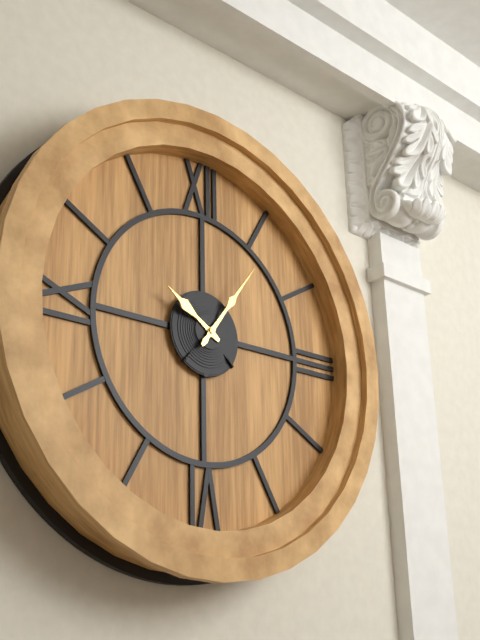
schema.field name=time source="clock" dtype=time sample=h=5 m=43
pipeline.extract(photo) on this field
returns h=10 m=6
